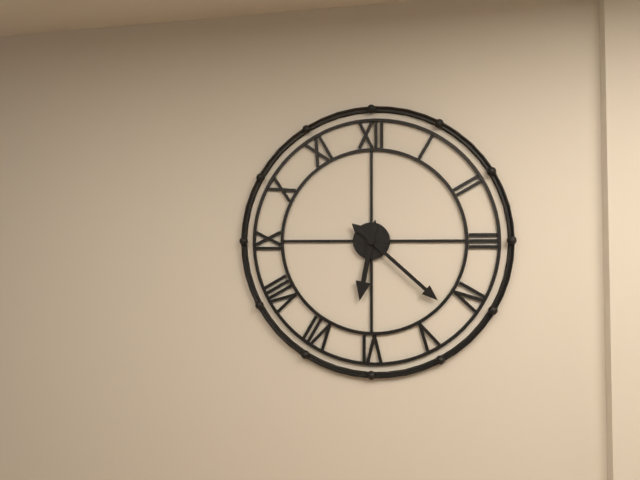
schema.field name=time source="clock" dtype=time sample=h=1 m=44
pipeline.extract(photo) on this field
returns h=6 m=22
